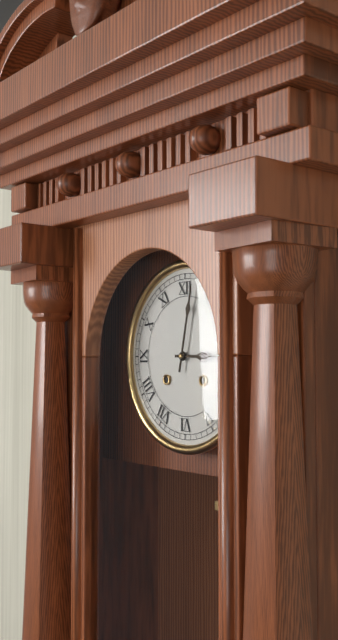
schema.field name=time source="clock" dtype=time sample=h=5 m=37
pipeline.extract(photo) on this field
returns h=3 m=2
